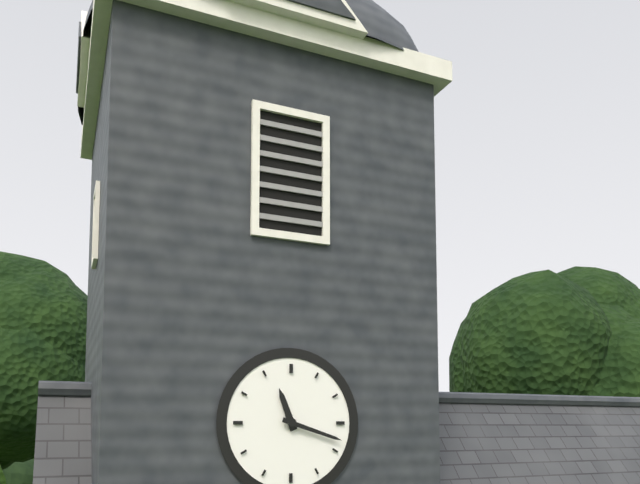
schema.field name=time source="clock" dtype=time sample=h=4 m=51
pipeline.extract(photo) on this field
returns h=11 m=18
